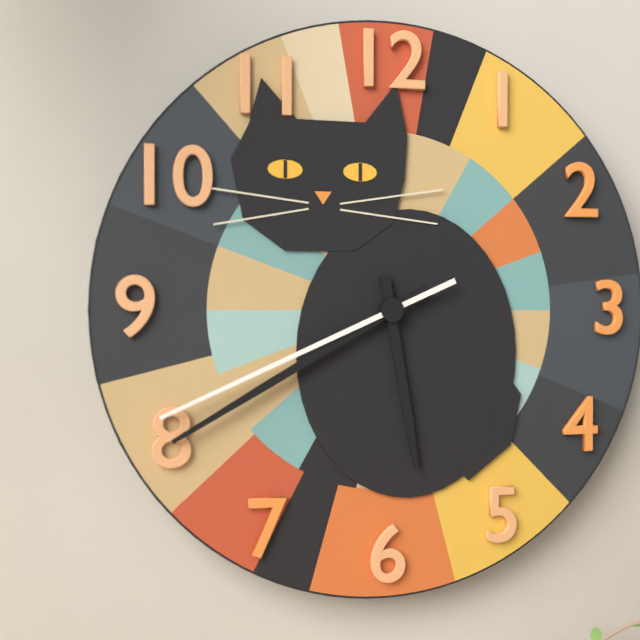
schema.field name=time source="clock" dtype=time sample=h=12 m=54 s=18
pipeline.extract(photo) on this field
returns h=5 m=40 s=41
